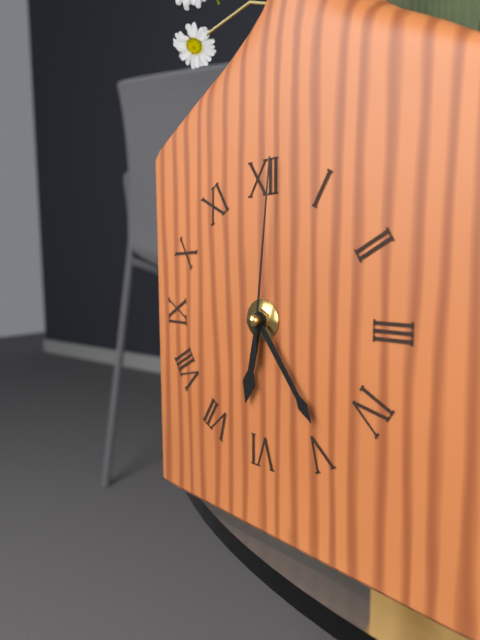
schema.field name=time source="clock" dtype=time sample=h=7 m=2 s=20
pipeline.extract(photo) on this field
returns h=6 m=24 s=1
